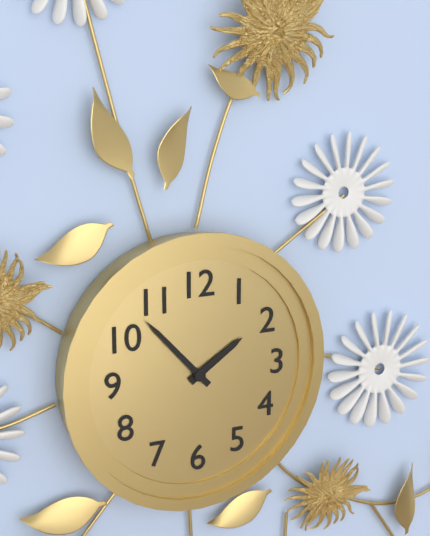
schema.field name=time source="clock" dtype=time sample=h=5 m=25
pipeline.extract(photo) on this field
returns h=1 m=53
